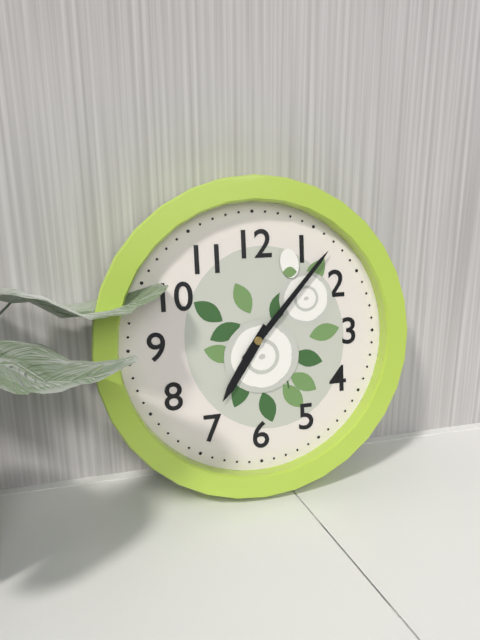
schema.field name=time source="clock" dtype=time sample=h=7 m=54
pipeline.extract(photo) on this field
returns h=7 m=7
